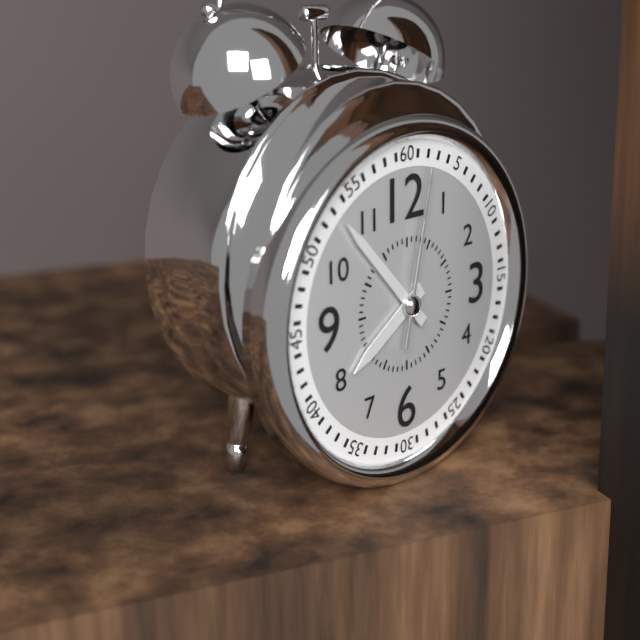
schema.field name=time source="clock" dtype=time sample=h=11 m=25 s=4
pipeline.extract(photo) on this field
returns h=7 m=53 s=2
